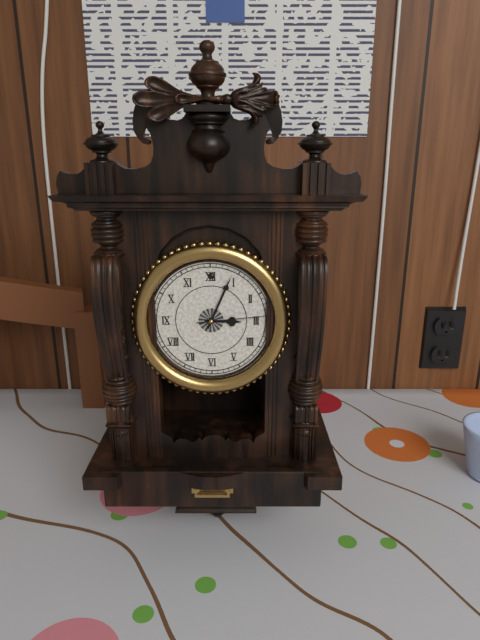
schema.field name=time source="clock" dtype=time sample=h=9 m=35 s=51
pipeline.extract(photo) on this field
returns h=3 m=4 s=14
